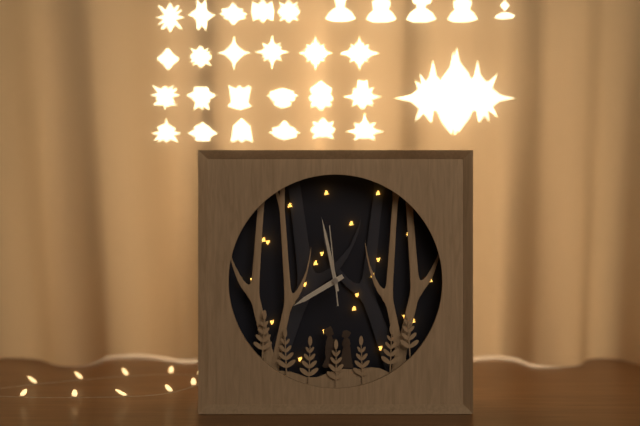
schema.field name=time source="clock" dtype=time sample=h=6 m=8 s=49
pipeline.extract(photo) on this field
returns h=7 m=58 s=59
